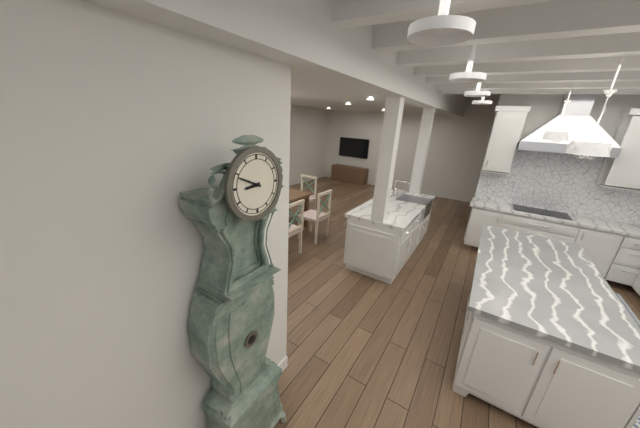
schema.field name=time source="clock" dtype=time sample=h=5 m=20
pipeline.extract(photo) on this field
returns h=8 m=49
